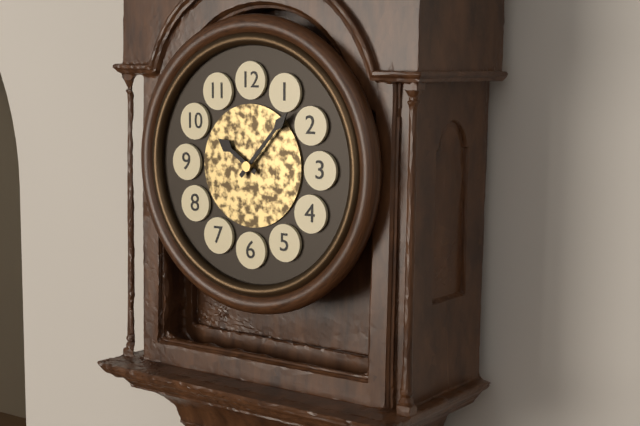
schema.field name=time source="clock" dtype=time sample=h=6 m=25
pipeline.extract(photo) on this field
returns h=10 m=7
